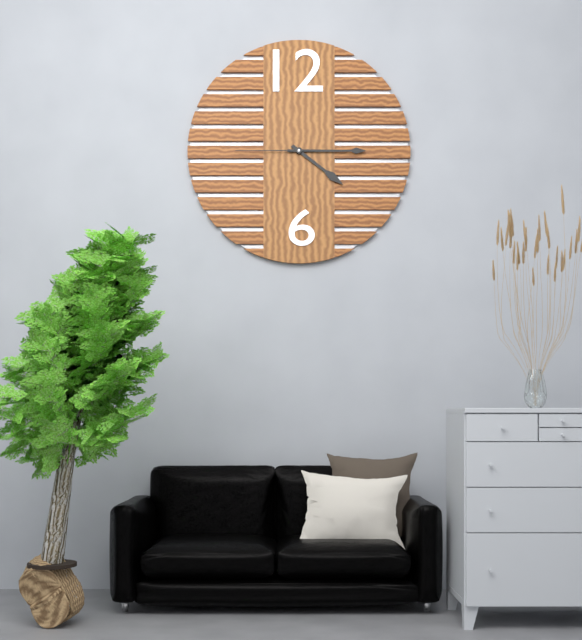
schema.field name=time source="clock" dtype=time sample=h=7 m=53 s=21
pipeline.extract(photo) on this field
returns h=4 m=15 s=45
